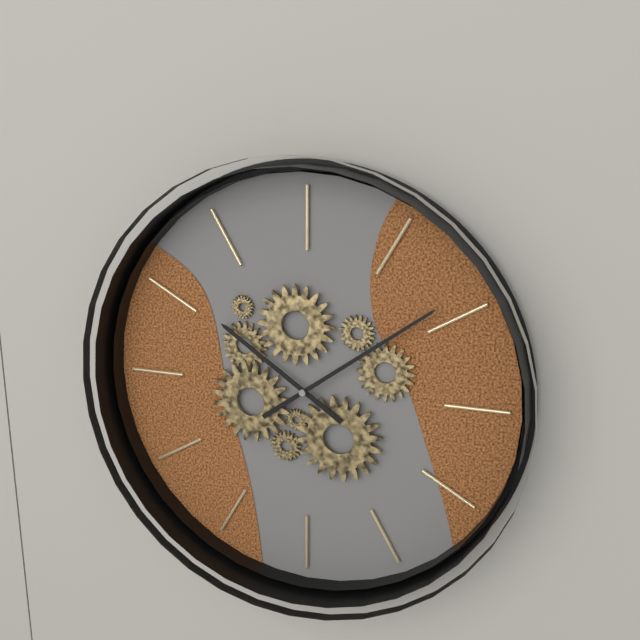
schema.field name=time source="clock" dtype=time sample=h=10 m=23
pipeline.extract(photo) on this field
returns h=10 m=9
